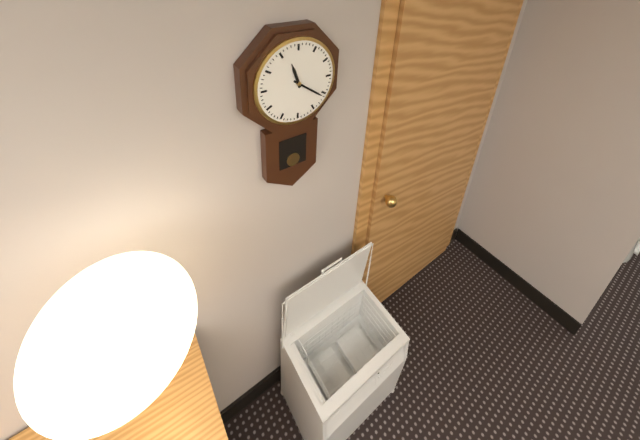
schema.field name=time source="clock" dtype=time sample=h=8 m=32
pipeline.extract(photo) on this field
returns h=11 m=21
